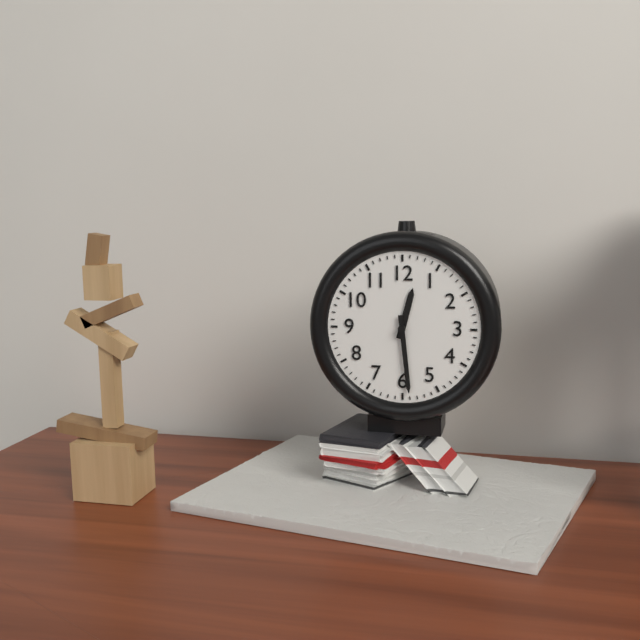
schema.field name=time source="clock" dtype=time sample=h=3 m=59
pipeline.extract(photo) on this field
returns h=12 m=29
